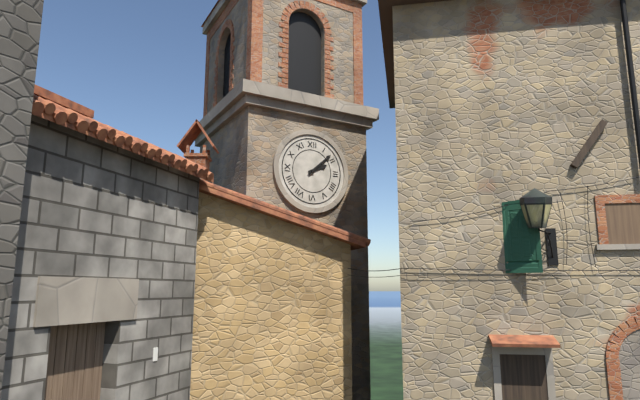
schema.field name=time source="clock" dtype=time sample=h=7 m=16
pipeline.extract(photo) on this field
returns h=2 m=8
